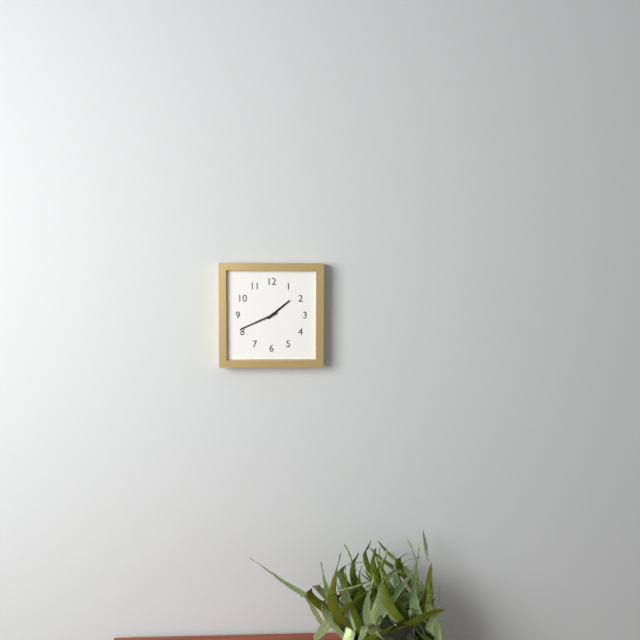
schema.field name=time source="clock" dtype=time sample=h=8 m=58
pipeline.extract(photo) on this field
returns h=1 m=41
